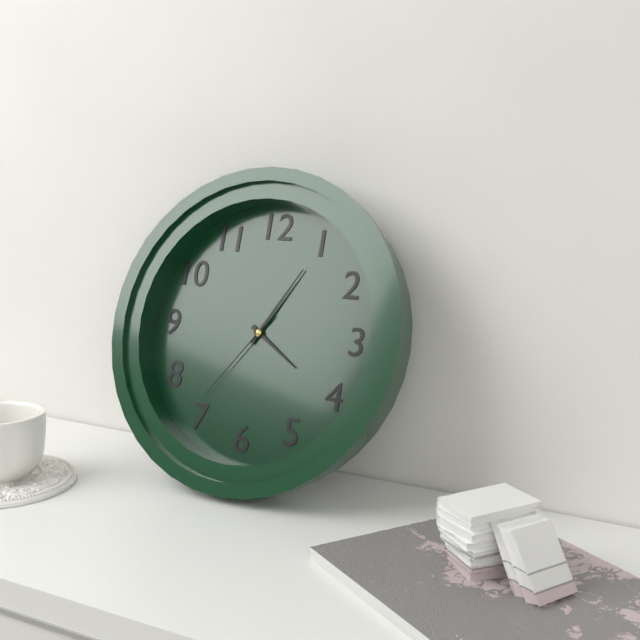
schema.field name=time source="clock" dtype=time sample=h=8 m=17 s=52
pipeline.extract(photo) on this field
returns h=4 m=5 s=36
